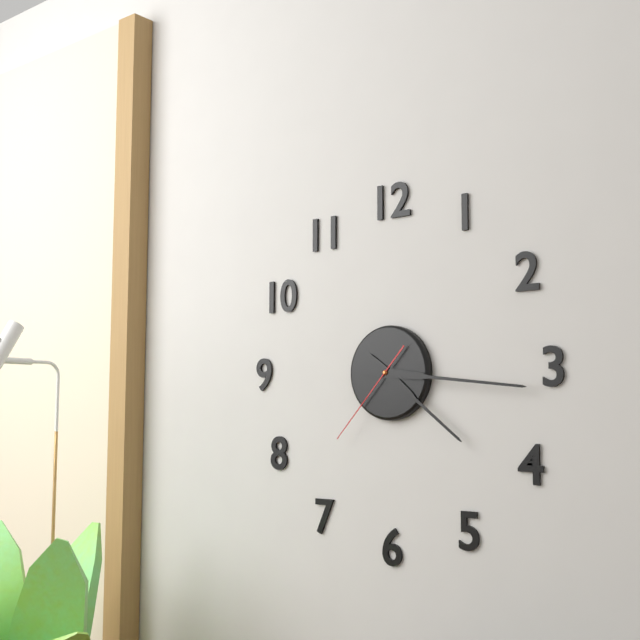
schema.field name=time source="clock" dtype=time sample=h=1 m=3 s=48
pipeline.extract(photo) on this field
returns h=4 m=16 s=37
